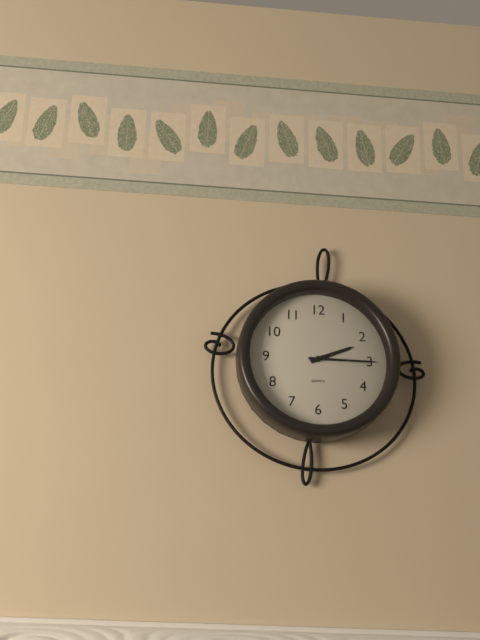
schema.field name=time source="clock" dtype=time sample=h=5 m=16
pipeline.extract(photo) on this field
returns h=2 m=15
